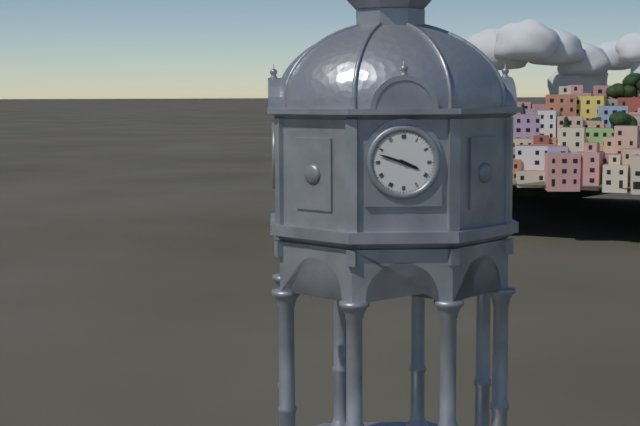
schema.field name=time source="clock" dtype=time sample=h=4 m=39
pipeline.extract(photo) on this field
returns h=3 m=48
